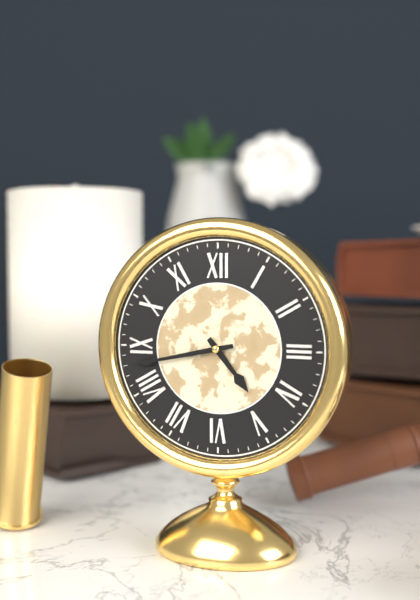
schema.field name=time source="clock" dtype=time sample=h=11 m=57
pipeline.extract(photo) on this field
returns h=4 m=43
